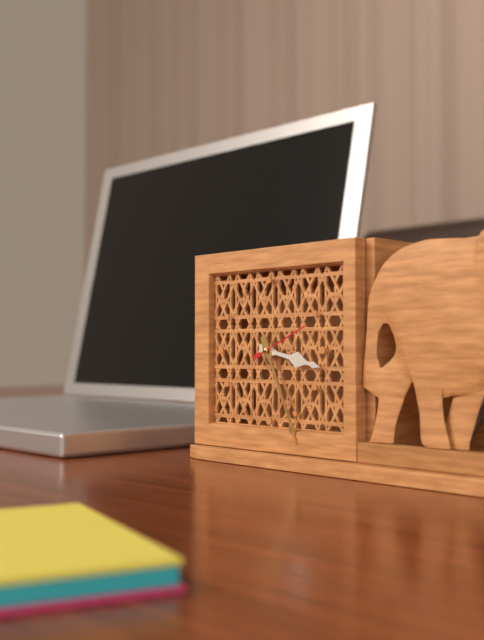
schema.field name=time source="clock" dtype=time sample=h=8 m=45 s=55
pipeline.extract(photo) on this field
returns h=3 m=26 s=11
